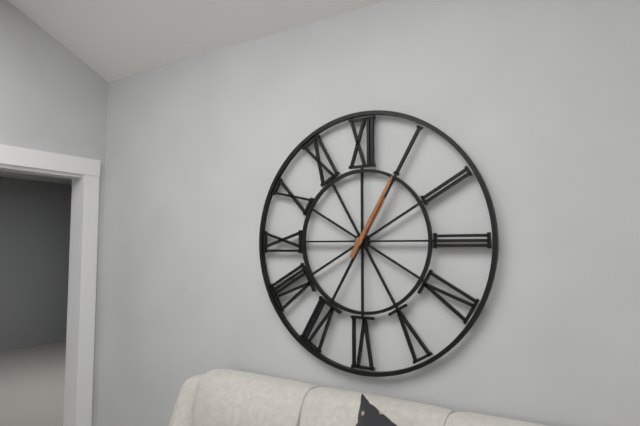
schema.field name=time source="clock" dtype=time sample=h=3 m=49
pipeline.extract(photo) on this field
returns h=1 m=5
